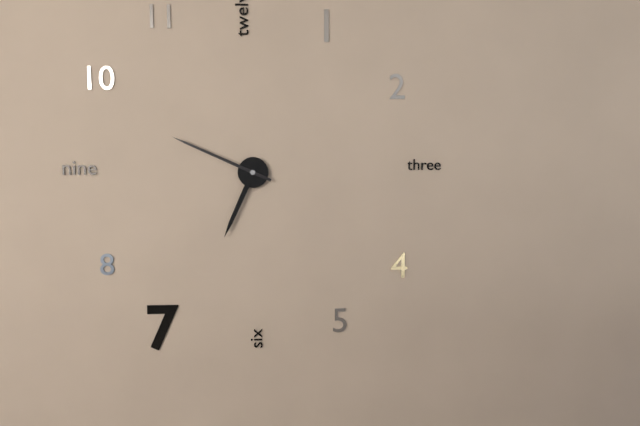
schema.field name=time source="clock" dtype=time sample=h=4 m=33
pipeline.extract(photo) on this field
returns h=6 m=49
